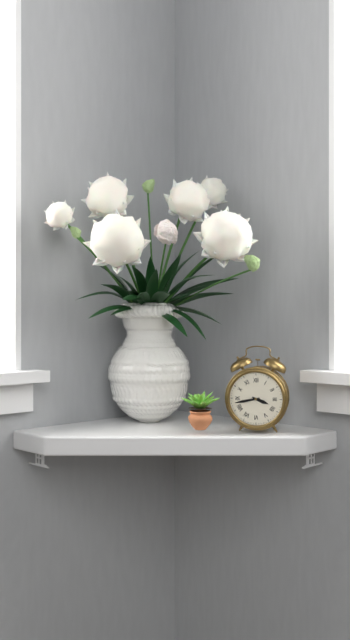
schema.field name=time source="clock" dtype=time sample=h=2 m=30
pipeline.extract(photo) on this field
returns h=3 m=43
